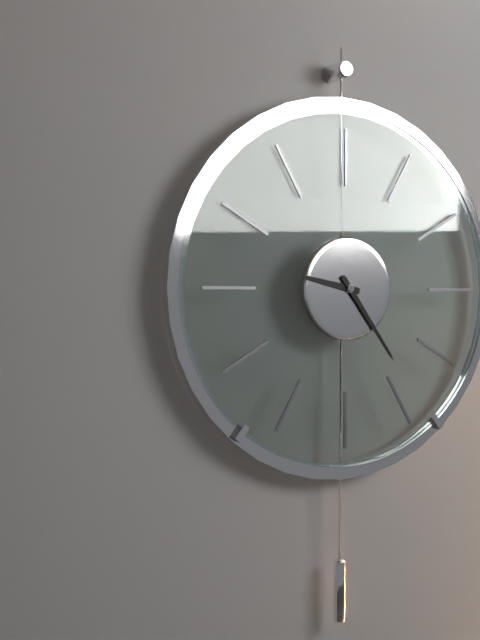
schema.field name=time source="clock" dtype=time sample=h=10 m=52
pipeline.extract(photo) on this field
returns h=9 m=24
